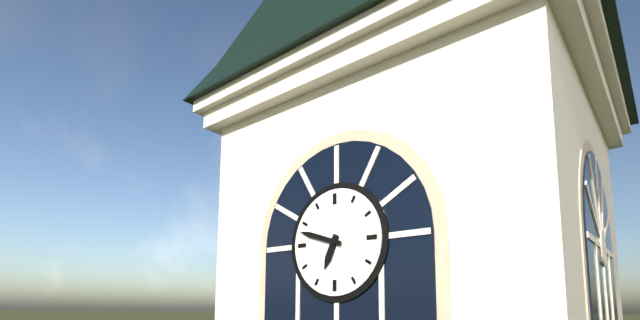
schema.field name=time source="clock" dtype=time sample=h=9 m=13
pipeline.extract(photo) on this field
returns h=6 m=48
